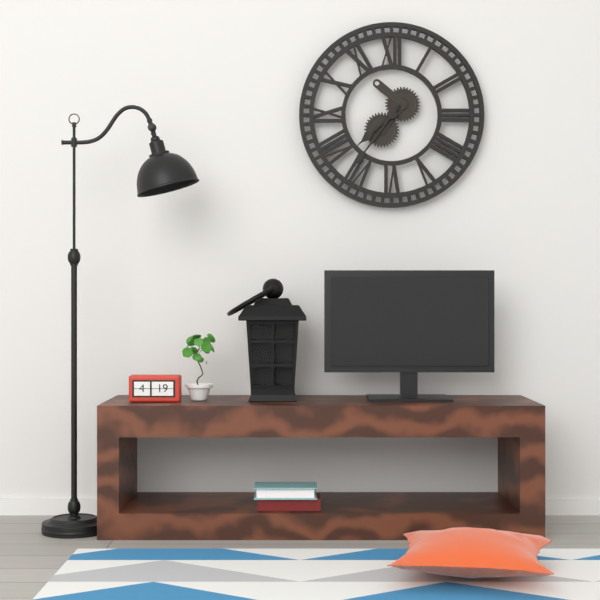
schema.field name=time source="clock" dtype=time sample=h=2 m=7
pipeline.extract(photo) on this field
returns h=7 m=36
